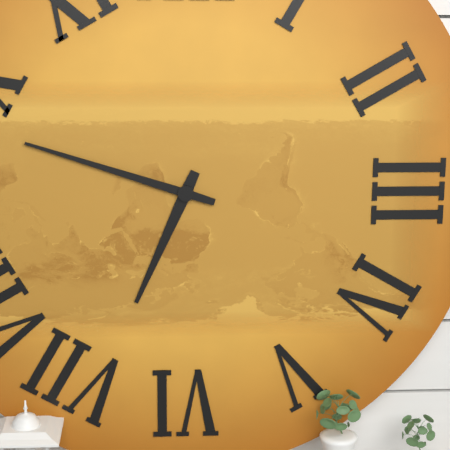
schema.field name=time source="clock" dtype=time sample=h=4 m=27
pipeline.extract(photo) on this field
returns h=6 m=48
